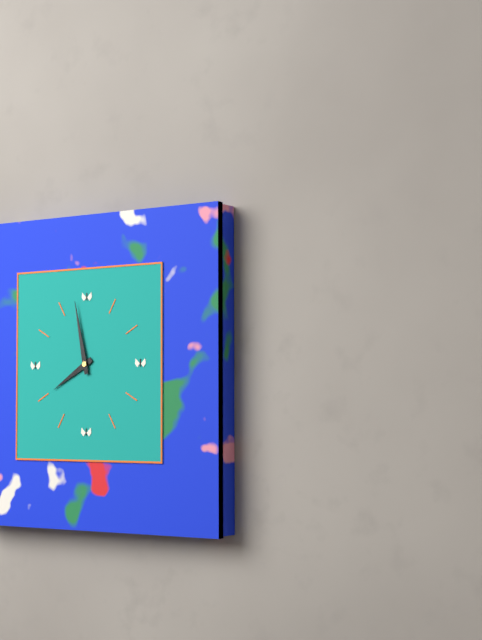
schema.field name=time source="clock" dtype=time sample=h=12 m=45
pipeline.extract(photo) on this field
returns h=7 m=58
